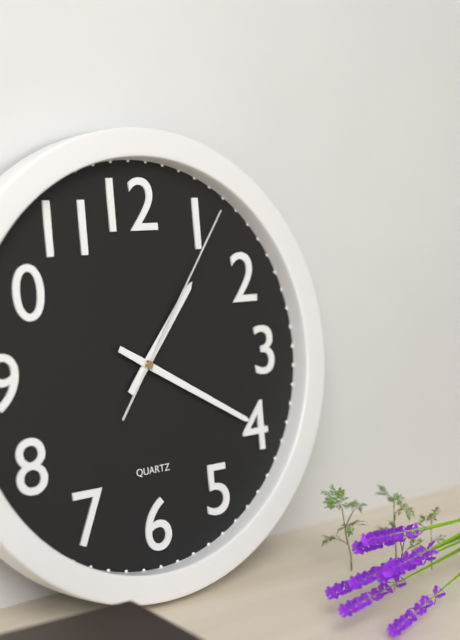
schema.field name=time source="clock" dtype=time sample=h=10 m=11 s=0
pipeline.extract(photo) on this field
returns h=1 m=20 s=6
